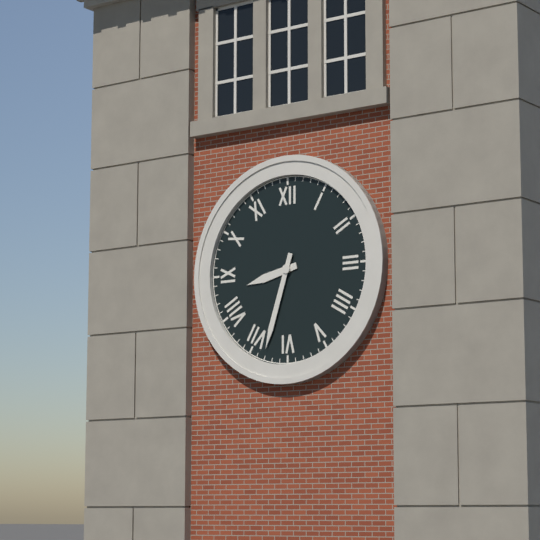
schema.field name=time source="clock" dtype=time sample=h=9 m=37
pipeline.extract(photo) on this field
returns h=8 m=33
